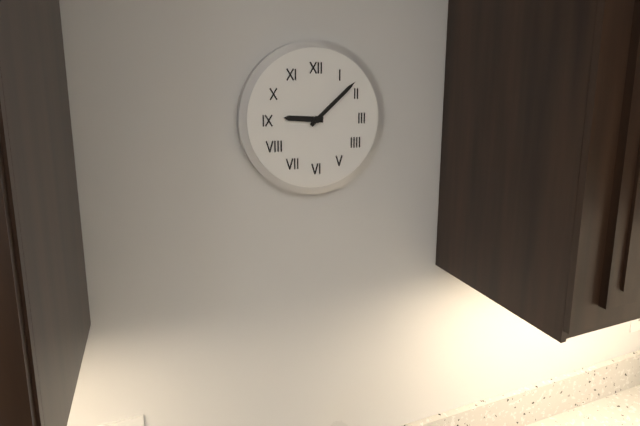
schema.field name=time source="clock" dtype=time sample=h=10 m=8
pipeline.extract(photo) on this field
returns h=9 m=8
